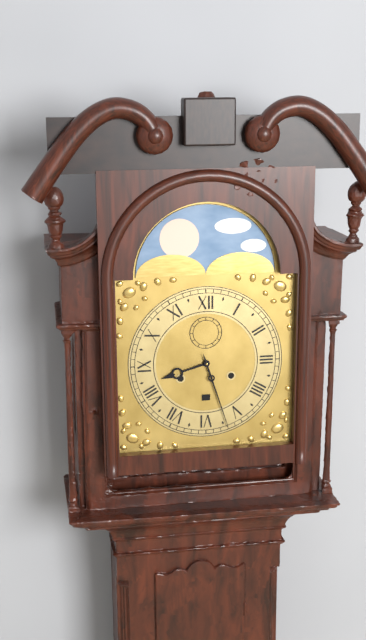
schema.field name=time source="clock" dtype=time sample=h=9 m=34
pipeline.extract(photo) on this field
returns h=8 m=27
